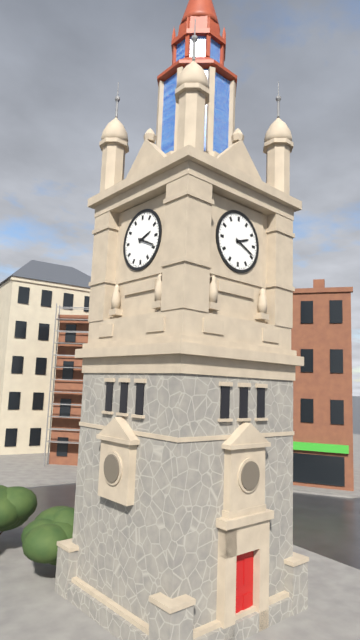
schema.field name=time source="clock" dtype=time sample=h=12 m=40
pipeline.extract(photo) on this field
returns h=2 m=19
